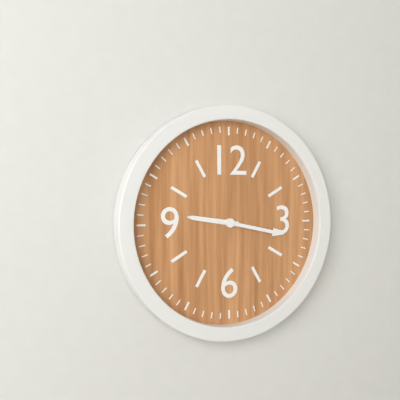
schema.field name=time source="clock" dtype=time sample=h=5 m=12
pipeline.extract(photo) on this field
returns h=9 m=17
